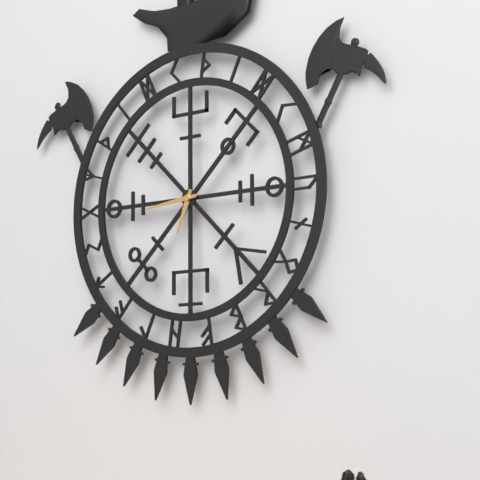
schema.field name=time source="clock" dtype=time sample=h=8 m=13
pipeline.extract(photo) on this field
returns h=6 m=44
